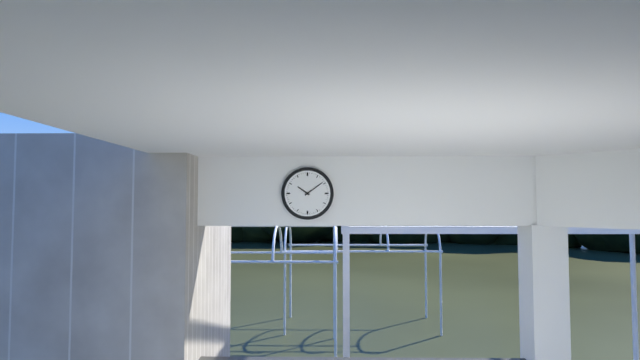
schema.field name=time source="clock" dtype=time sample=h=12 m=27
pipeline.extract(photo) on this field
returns h=10 m=9
